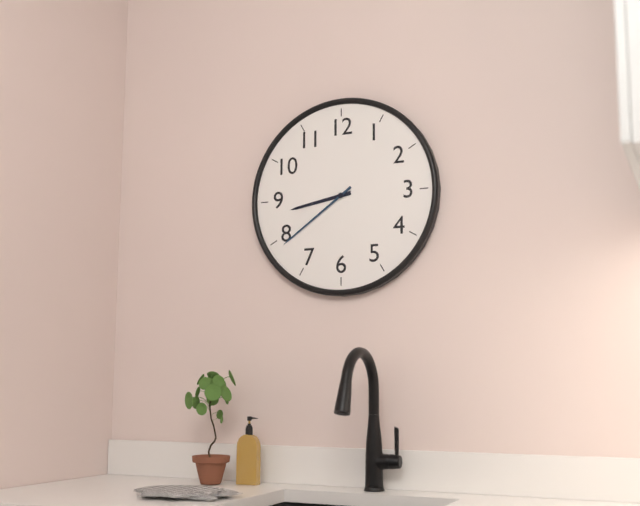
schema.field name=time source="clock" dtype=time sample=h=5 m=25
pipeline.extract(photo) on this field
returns h=8 m=39
